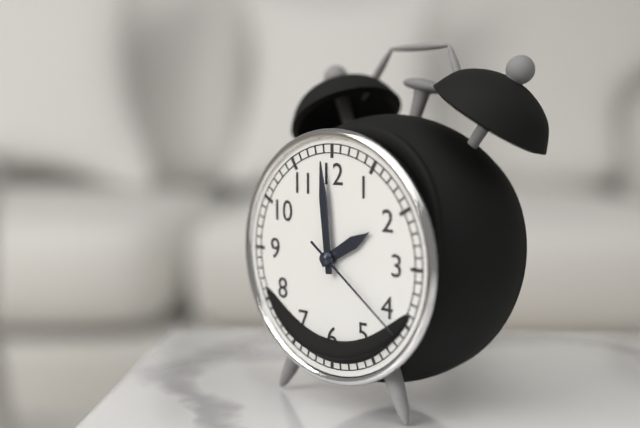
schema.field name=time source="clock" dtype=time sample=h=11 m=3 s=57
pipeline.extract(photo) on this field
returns h=1 m=59 s=21
